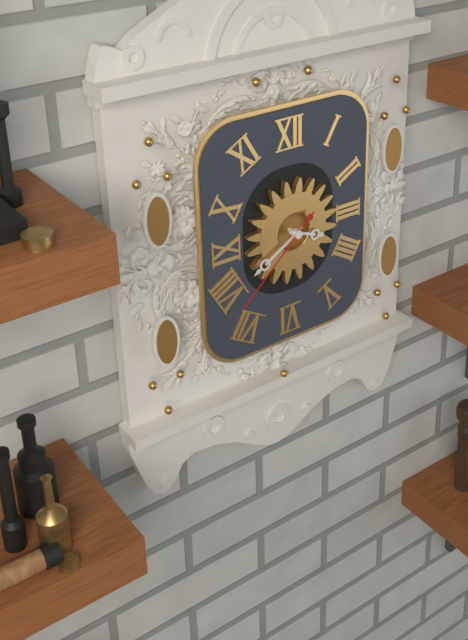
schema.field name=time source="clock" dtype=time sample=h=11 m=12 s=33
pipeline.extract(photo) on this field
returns h=3 m=40 s=38
